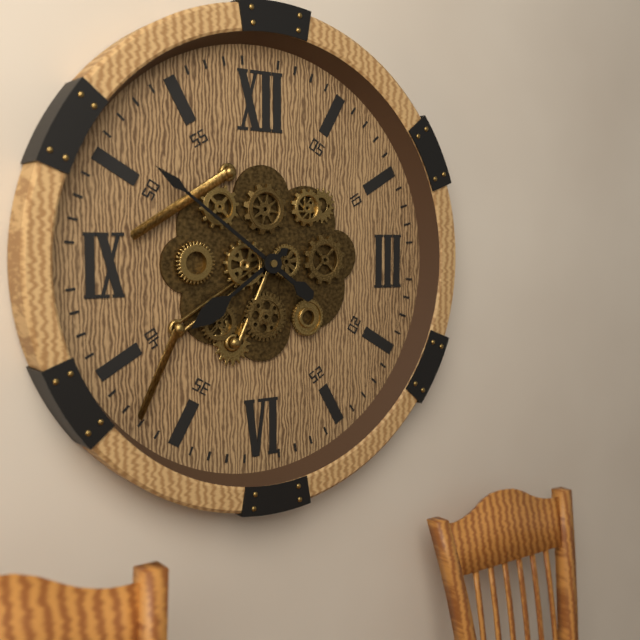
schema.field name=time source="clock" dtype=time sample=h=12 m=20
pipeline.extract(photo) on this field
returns h=7 m=51
